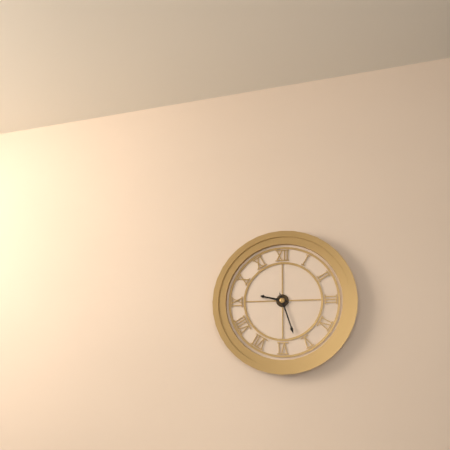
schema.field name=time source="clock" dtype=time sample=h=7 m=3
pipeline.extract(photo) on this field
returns h=9 m=27
